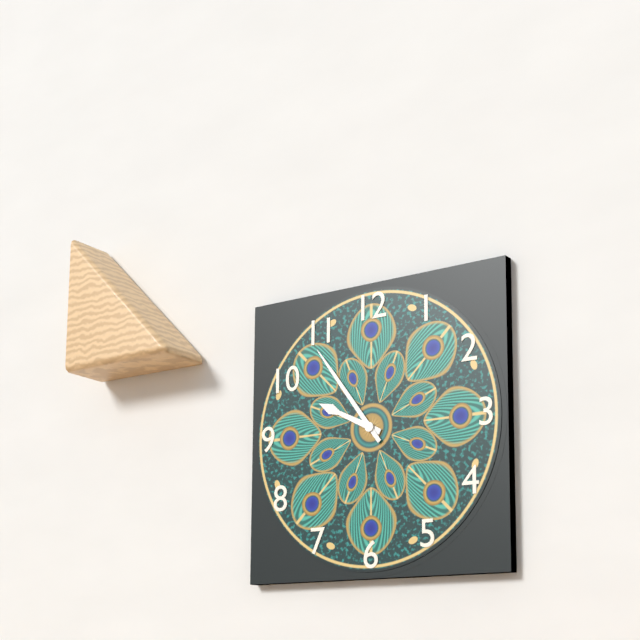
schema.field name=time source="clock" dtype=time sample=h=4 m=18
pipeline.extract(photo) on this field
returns h=9 m=54
